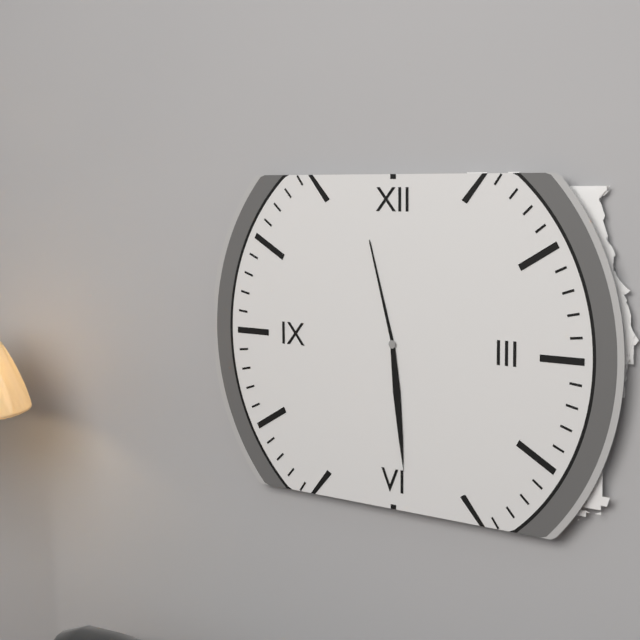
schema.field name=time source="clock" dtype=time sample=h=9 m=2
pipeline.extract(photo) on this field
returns h=11 m=29
